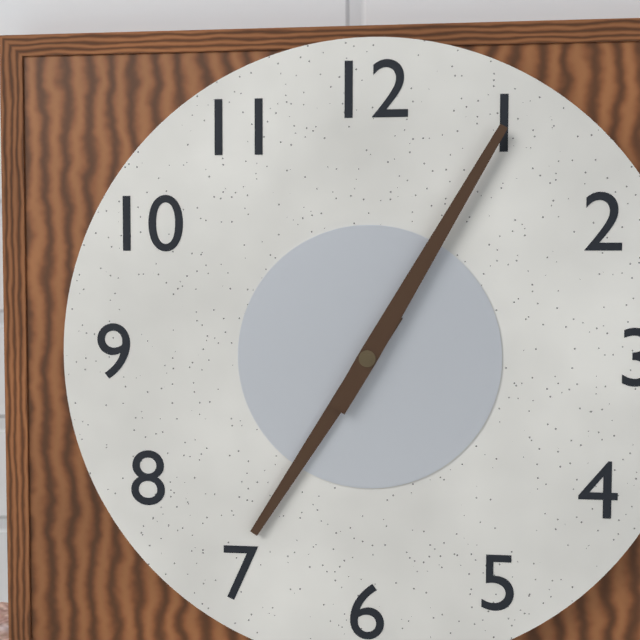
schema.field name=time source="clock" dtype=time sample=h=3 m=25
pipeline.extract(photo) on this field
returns h=7 m=5
